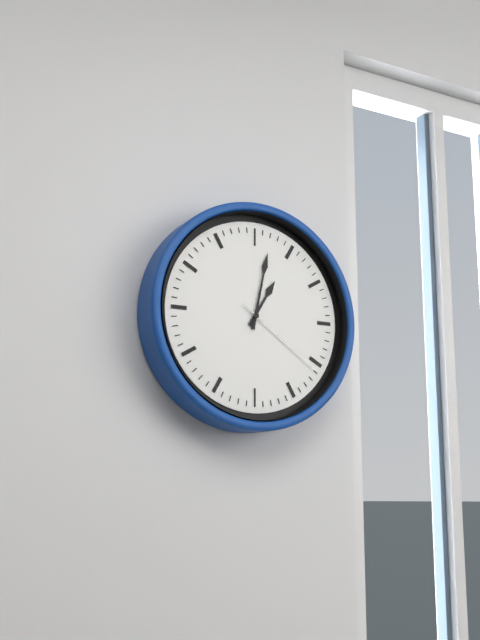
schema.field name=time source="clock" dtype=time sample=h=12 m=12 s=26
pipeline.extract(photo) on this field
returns h=1 m=2 s=21
